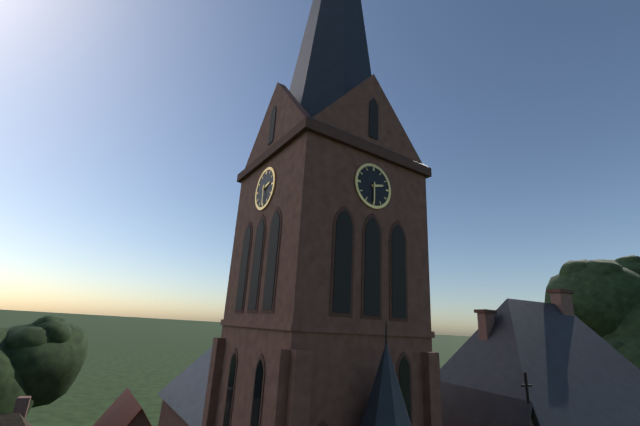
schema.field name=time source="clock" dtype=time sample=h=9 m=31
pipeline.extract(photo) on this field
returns h=2 m=30
